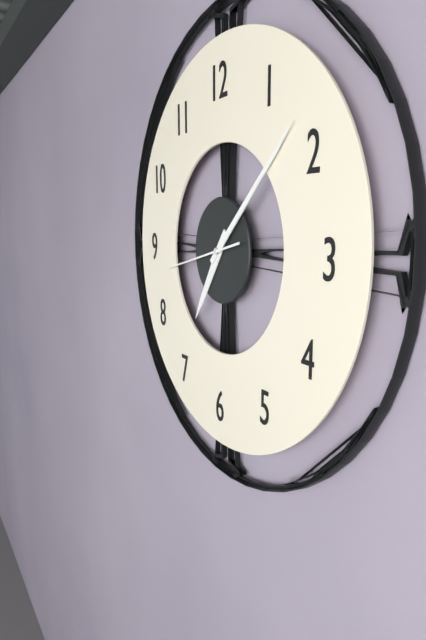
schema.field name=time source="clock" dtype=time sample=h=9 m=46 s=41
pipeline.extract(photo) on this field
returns h=7 m=8 s=43
